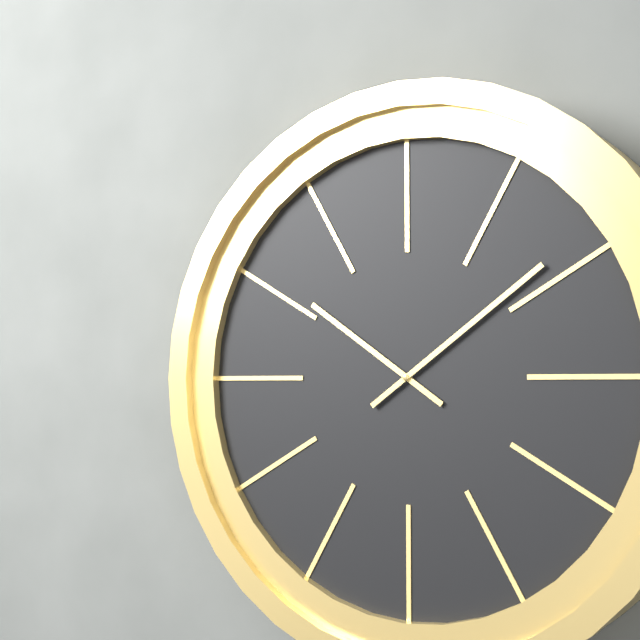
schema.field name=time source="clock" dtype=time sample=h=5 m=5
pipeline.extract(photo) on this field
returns h=10 m=9
